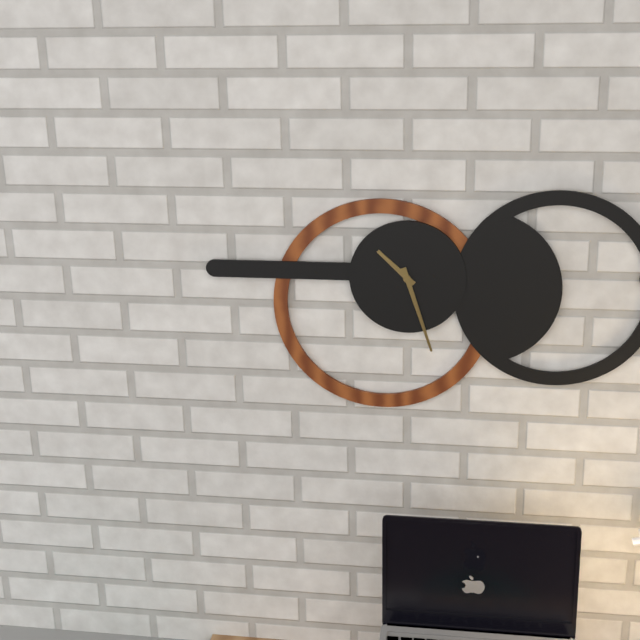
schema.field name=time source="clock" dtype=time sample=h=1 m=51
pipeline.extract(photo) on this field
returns h=10 m=27
